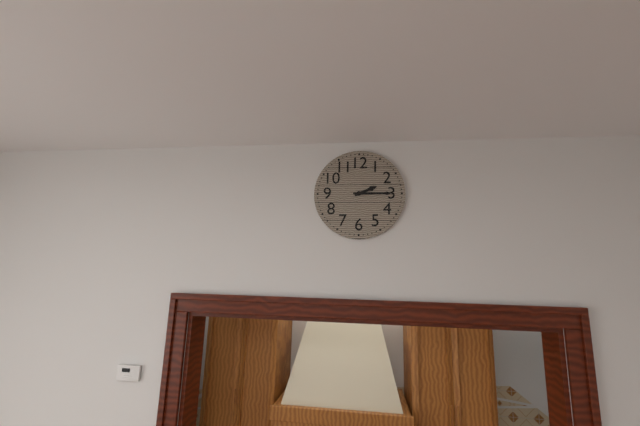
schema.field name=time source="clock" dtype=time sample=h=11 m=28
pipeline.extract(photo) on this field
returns h=2 m=15
